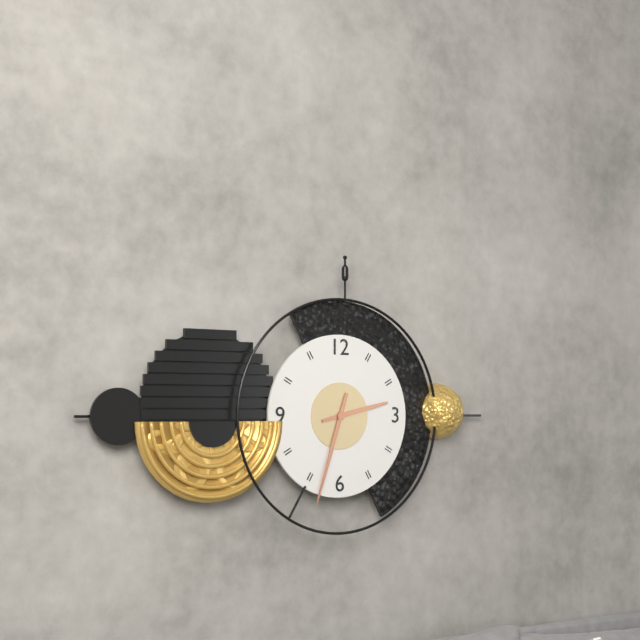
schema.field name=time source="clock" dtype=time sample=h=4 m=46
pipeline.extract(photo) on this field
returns h=2 m=33
